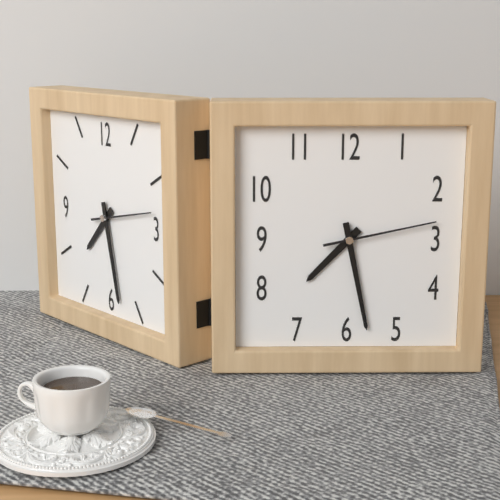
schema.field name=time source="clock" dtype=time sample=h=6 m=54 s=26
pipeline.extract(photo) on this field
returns h=7 m=28 s=13
